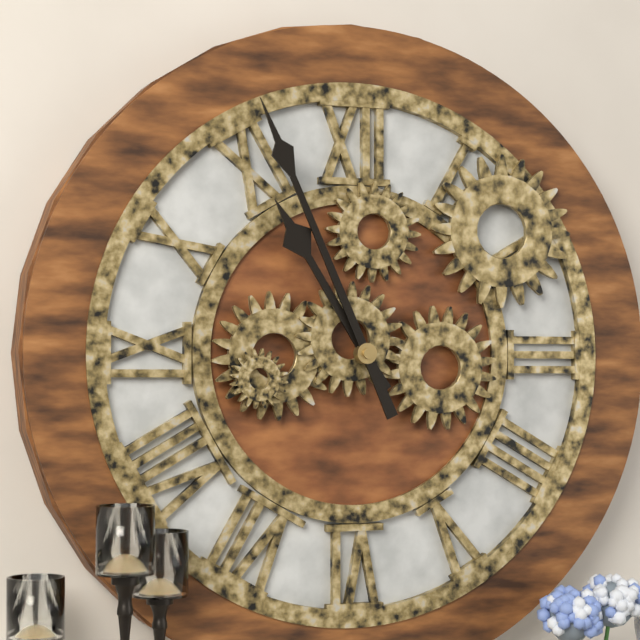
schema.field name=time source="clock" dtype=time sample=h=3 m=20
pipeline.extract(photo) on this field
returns h=10 m=56
